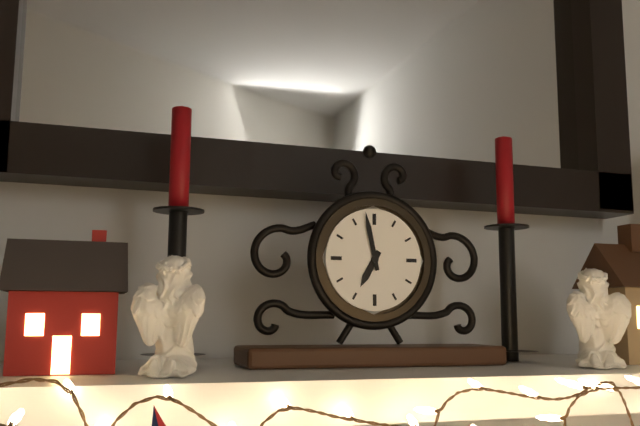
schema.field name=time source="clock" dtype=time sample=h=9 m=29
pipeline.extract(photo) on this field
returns h=6 m=58
